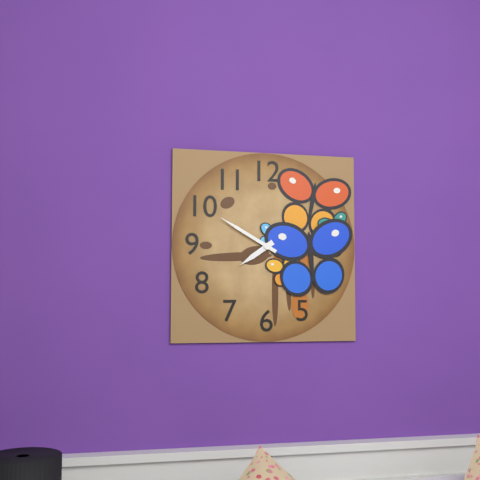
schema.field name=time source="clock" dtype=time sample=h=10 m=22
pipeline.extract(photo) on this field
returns h=7 m=50
